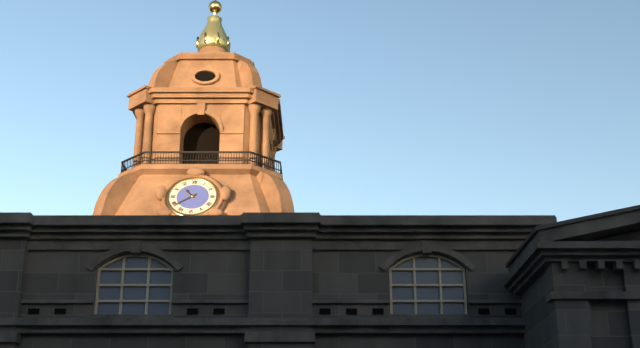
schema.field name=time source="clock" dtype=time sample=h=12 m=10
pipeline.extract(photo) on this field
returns h=10 m=39
